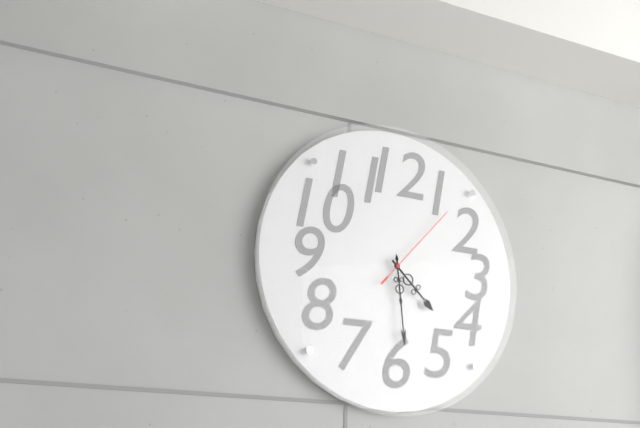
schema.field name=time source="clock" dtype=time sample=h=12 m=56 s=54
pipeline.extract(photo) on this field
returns h=4 m=29 s=7
